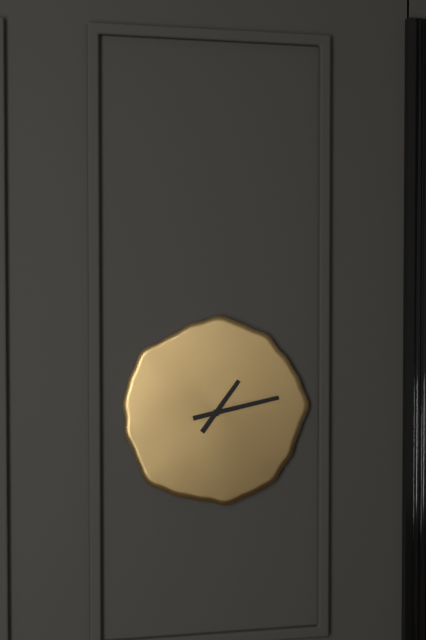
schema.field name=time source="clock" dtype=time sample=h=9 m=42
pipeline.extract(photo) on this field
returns h=1 m=13
